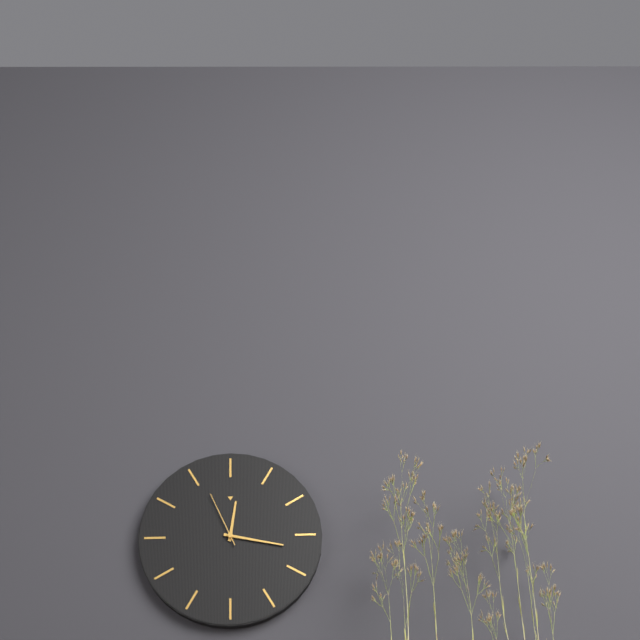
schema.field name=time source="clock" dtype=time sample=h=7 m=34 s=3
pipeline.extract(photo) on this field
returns h=12 m=17 s=56
